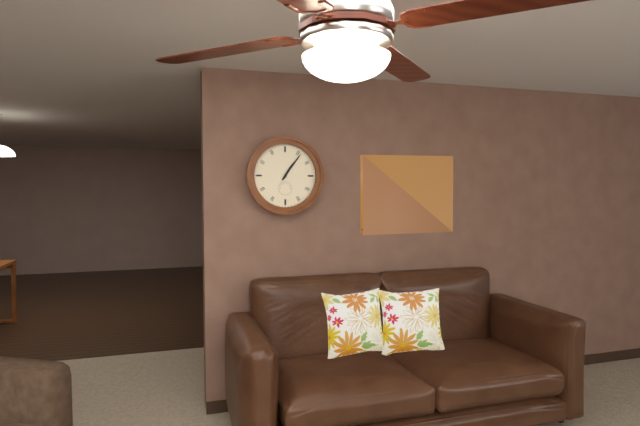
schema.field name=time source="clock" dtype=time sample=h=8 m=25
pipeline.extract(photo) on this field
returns h=1 m=6
